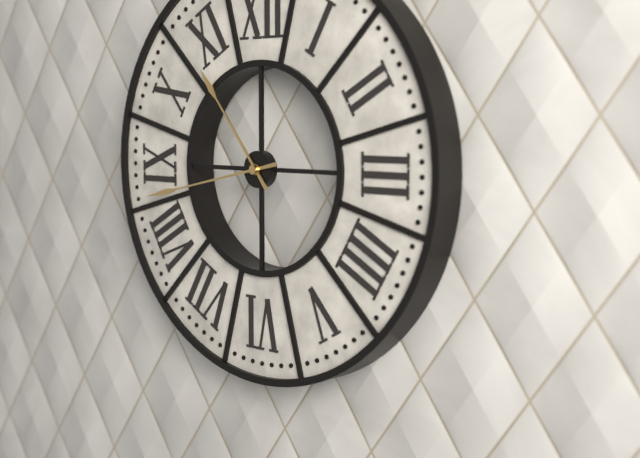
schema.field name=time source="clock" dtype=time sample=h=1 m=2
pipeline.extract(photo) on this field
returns h=10 m=43
